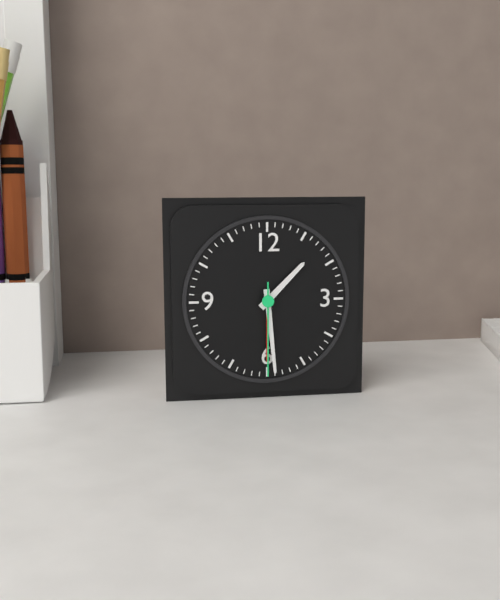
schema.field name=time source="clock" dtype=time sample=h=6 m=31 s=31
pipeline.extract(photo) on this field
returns h=1 m=29 s=30
